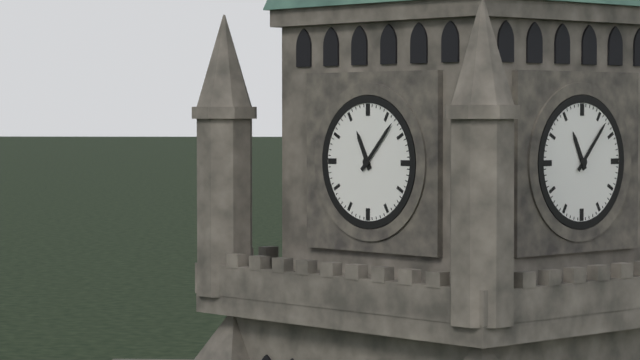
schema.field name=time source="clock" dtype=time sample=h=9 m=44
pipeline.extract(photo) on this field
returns h=11 m=7
